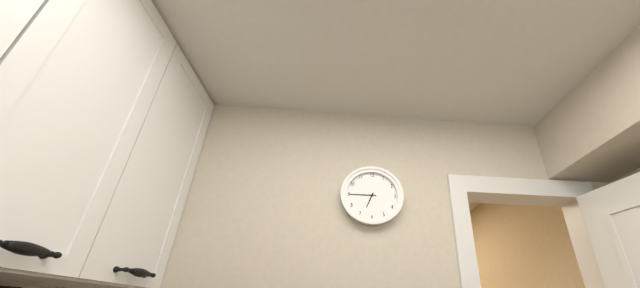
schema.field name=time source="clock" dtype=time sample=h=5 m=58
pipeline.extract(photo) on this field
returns h=6 m=45
